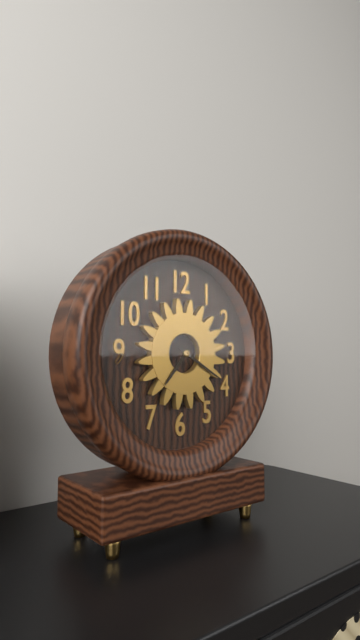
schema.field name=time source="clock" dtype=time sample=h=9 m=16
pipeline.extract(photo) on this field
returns h=7 m=20
